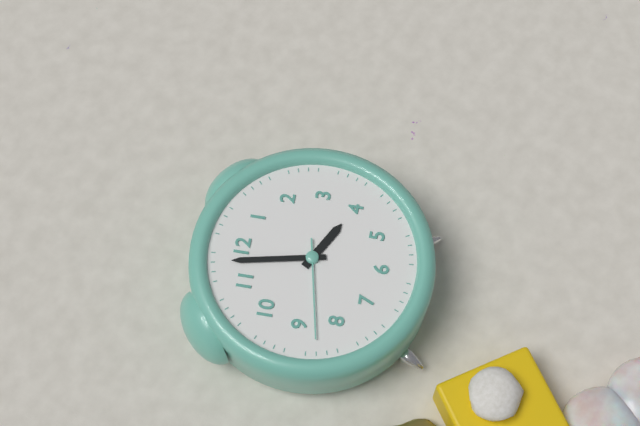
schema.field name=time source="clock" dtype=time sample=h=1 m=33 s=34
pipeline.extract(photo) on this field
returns h=3 m=58 s=43
